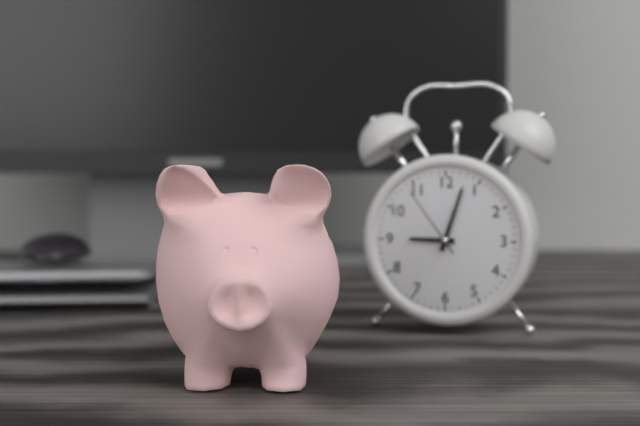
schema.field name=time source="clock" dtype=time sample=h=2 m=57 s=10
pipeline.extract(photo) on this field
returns h=9 m=3 s=54
